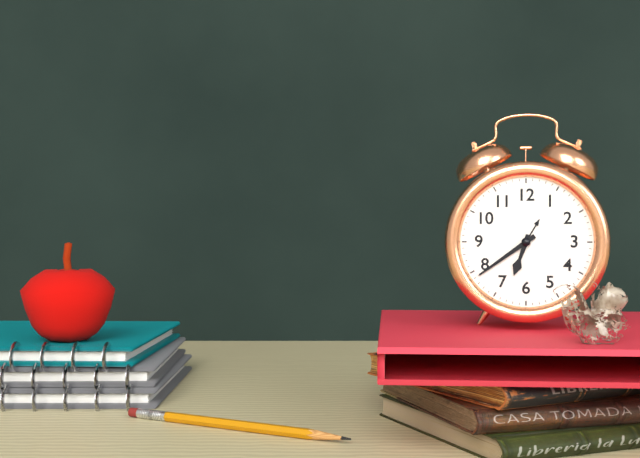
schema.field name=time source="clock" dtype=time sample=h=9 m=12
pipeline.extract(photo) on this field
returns h=6 m=39
